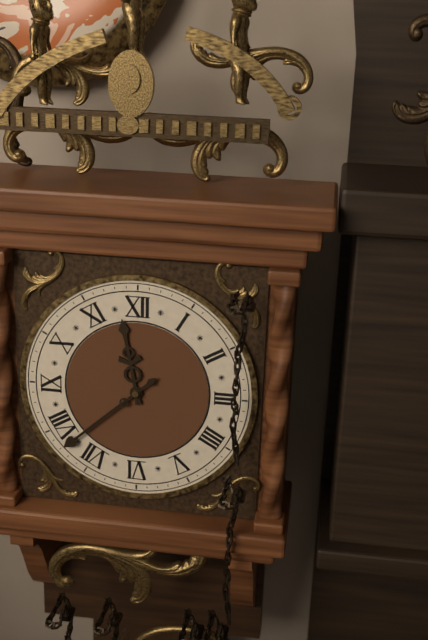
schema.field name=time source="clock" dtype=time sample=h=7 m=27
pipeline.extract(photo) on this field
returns h=11 m=38
